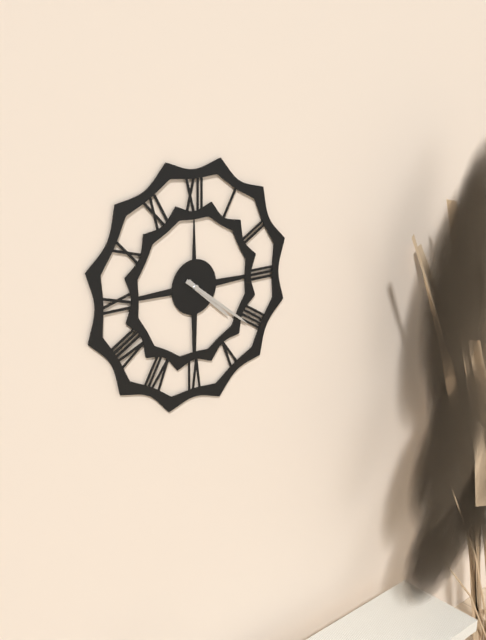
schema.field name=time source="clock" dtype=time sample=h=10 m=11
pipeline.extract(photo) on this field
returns h=4 m=21
